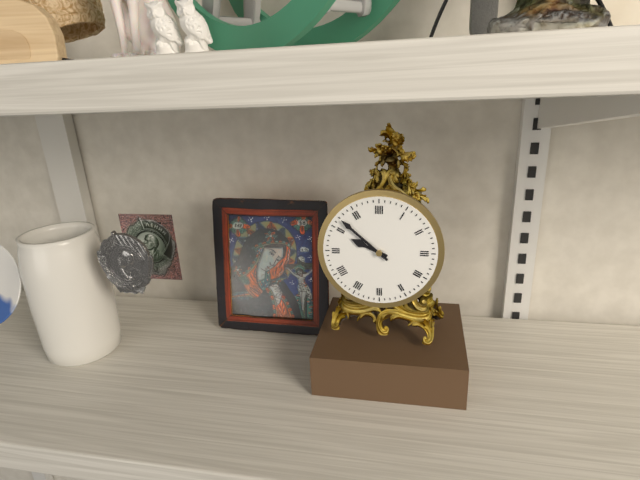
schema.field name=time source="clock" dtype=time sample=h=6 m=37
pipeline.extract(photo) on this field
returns h=9 m=52
